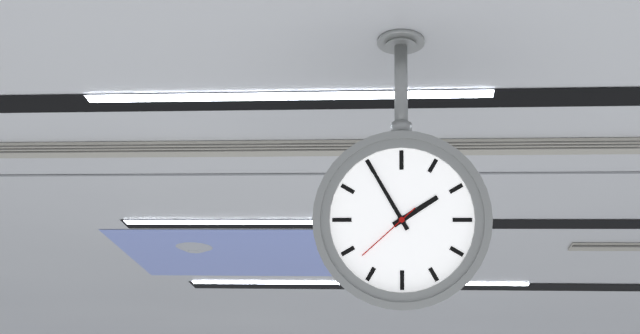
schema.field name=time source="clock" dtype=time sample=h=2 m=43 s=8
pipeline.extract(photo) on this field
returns h=1 m=55 s=38
